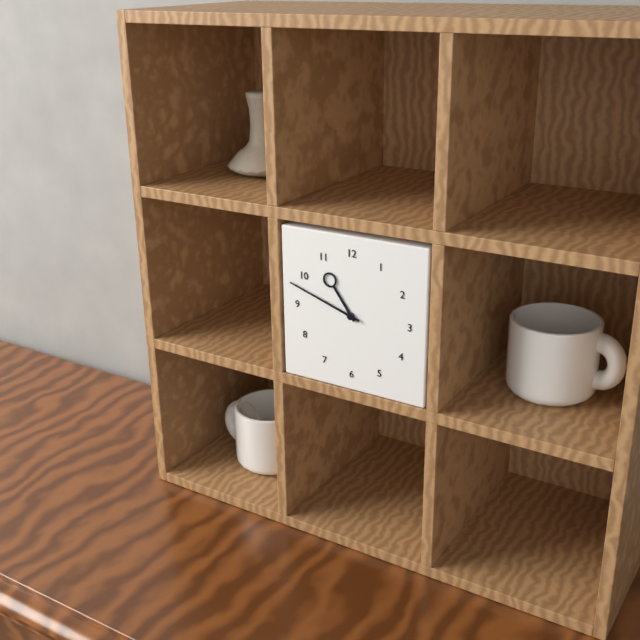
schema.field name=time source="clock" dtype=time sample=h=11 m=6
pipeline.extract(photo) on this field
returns h=10 m=48
